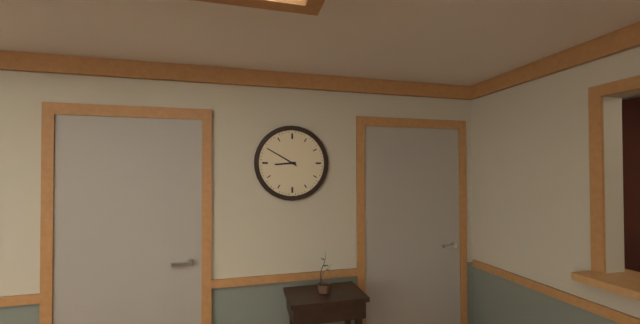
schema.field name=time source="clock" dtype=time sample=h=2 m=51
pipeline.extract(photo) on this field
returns h=8 m=50
